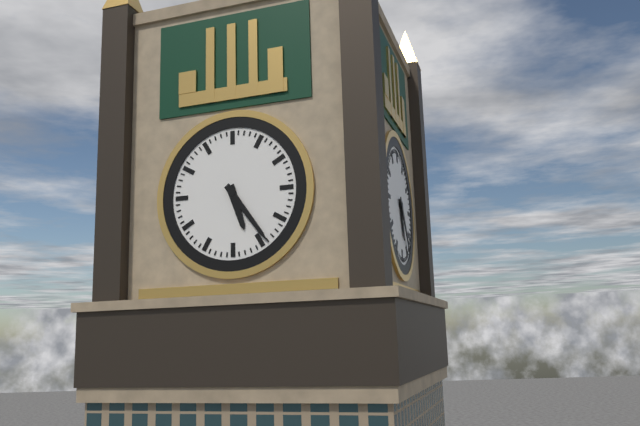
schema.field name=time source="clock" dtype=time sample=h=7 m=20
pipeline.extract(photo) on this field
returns h=5 m=24
